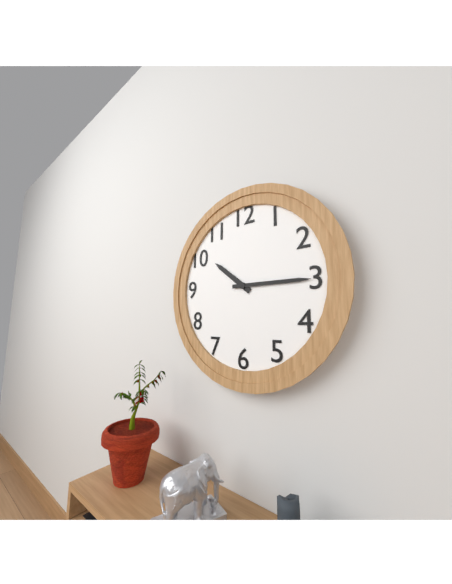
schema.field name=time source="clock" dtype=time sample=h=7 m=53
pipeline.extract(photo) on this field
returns h=10 m=15
